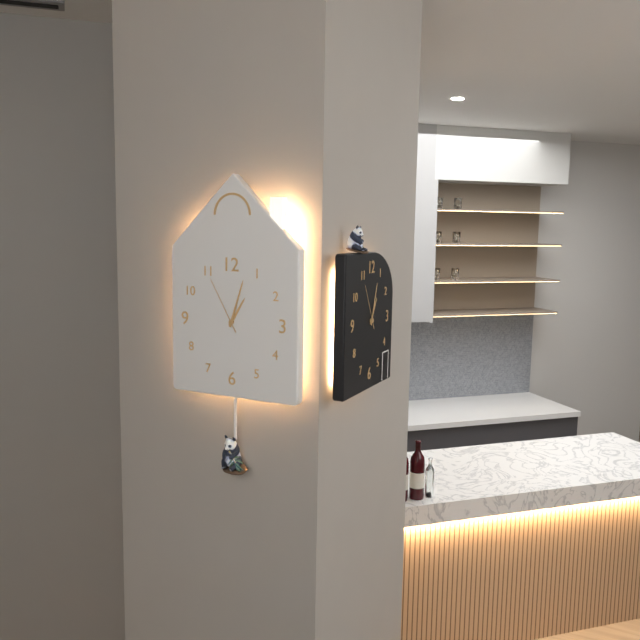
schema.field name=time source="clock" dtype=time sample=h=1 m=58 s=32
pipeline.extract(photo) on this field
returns h=1 m=3 s=55
